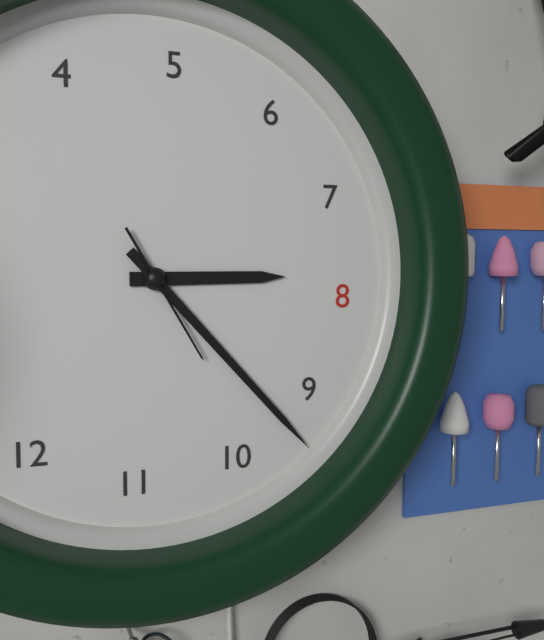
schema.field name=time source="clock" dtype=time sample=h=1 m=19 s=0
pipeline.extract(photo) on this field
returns h=7 m=47 s=49
